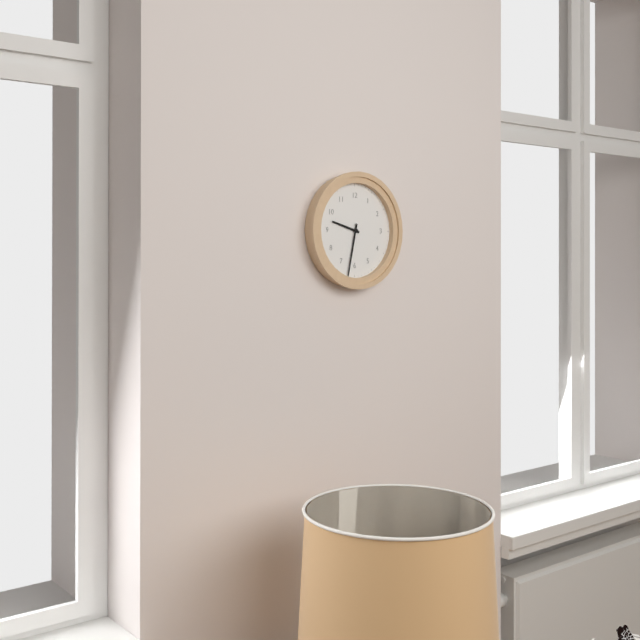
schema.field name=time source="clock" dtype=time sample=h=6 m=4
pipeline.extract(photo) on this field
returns h=9 m=32
